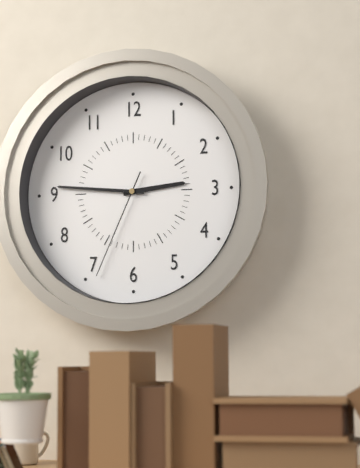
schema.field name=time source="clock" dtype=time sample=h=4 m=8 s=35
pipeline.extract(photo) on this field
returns h=2 m=46 s=34
